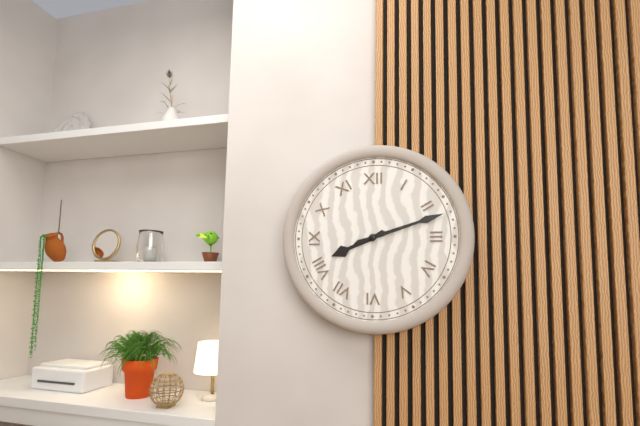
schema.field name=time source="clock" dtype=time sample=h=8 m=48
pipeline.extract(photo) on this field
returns h=8 m=12
